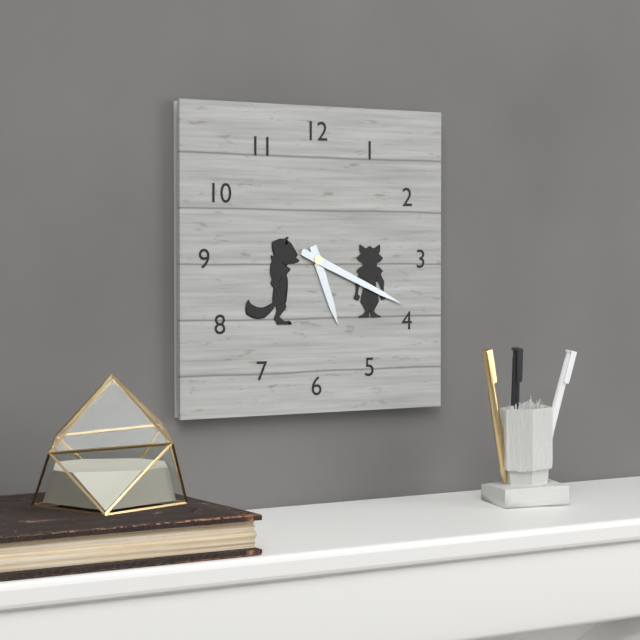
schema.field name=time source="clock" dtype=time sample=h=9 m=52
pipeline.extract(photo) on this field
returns h=5 m=19
